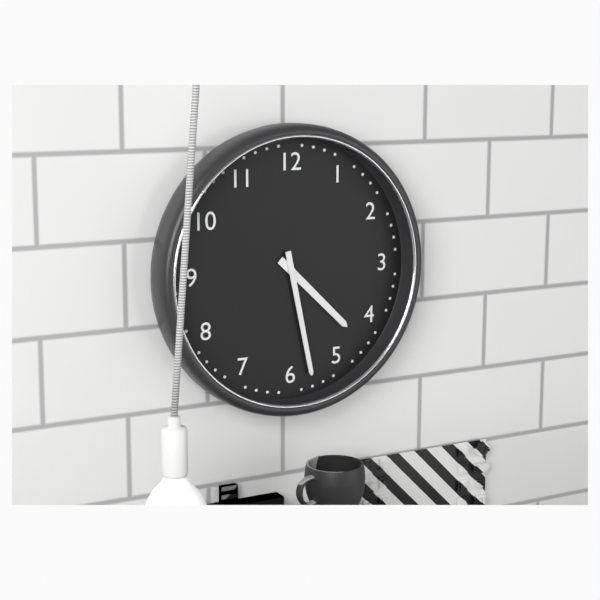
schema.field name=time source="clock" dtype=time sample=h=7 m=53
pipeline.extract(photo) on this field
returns h=4 m=28
